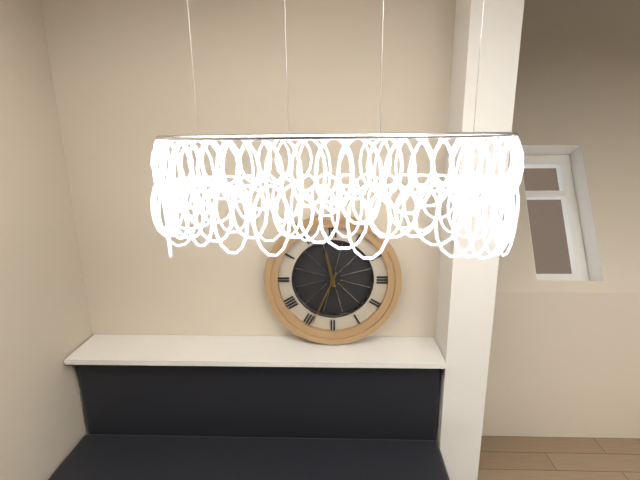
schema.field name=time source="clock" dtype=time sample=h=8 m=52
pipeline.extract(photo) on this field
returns h=11 m=34
